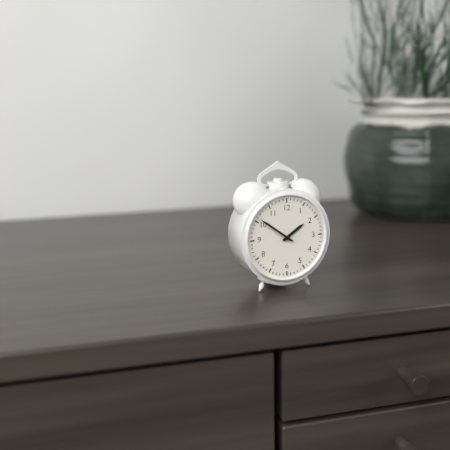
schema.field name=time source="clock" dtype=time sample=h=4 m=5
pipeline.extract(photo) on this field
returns h=1 m=51
